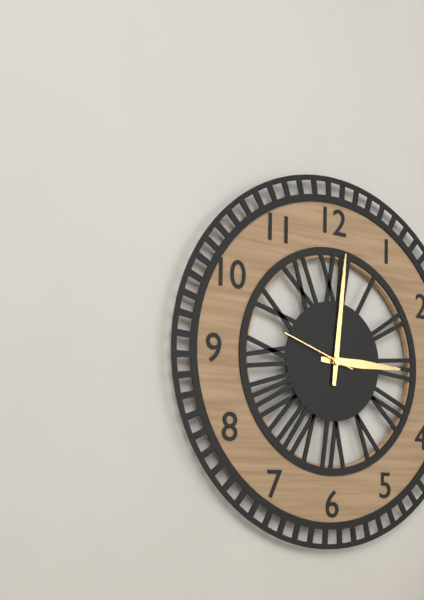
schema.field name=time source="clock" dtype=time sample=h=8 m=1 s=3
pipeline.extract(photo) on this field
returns h=3 m=1 s=48
